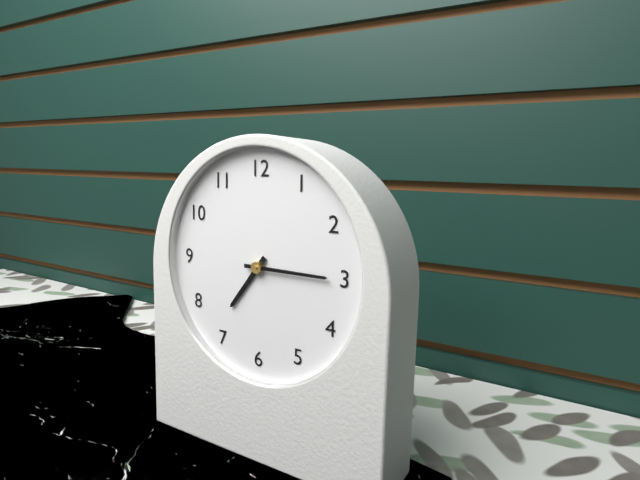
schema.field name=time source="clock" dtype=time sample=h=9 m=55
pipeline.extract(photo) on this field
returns h=7 m=15
